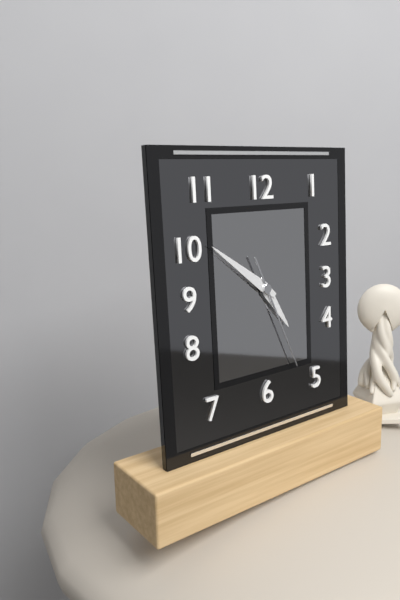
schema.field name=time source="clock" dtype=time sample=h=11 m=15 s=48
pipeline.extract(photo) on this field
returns h=4 m=51 s=26
